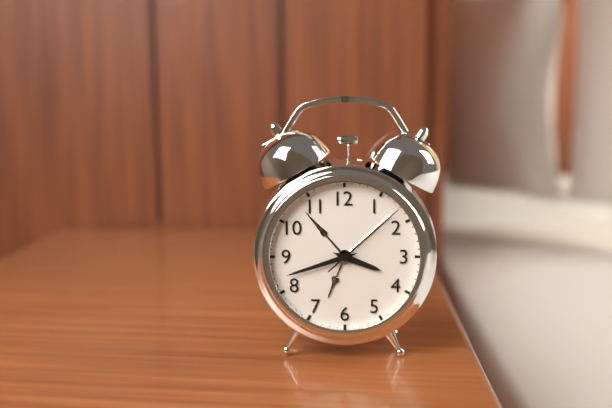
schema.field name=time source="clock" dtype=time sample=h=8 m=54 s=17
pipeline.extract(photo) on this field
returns h=3 m=42 s=8
